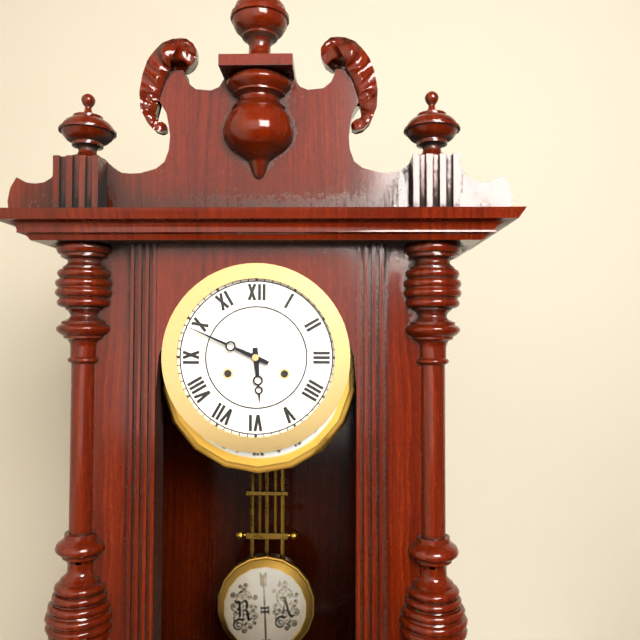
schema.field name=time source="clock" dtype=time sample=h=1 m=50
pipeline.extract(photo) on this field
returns h=5 m=49
